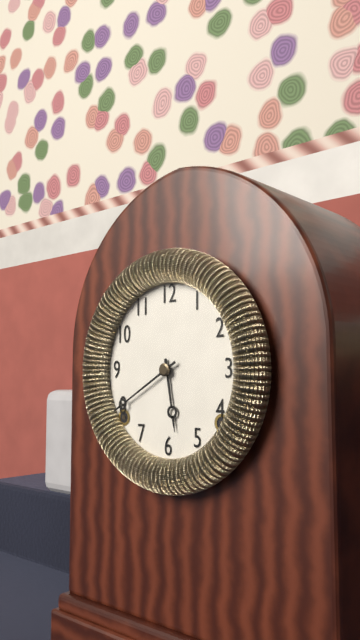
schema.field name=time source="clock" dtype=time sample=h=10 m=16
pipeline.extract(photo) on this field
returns h=5 m=40
